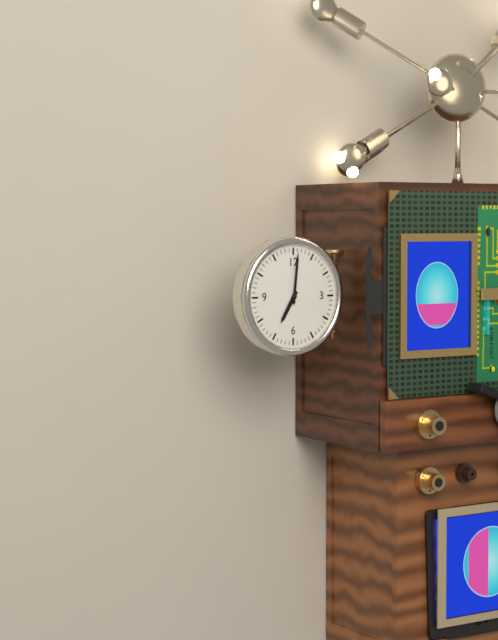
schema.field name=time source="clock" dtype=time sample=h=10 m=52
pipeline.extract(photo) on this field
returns h=7 m=1
